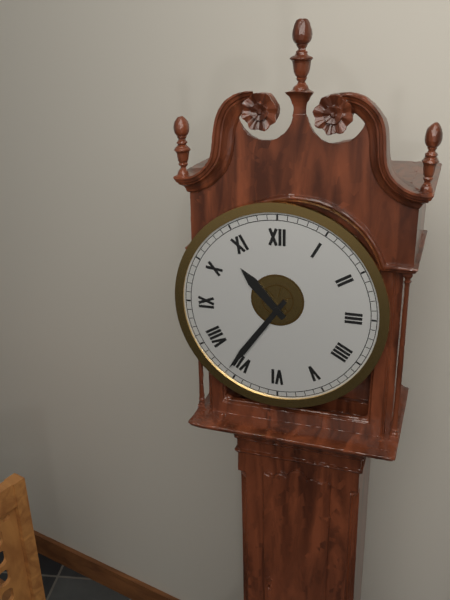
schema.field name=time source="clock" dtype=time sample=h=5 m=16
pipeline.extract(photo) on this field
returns h=10 m=36
